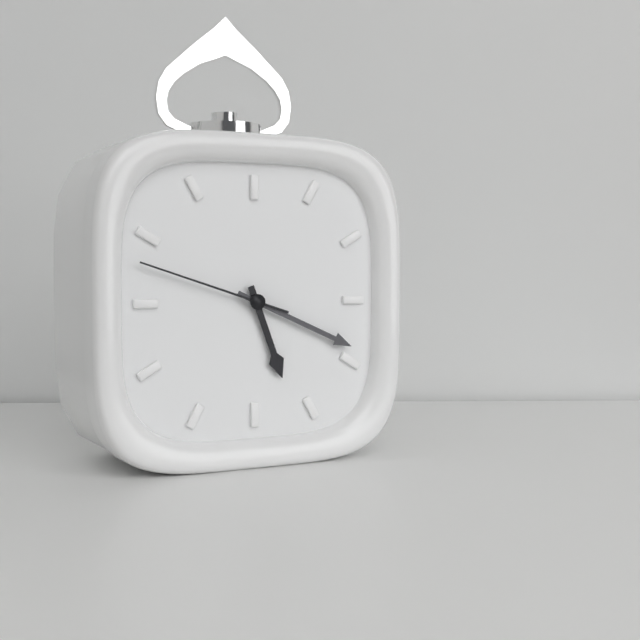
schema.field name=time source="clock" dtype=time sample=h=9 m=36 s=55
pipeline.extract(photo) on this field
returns h=5 m=19 s=48
